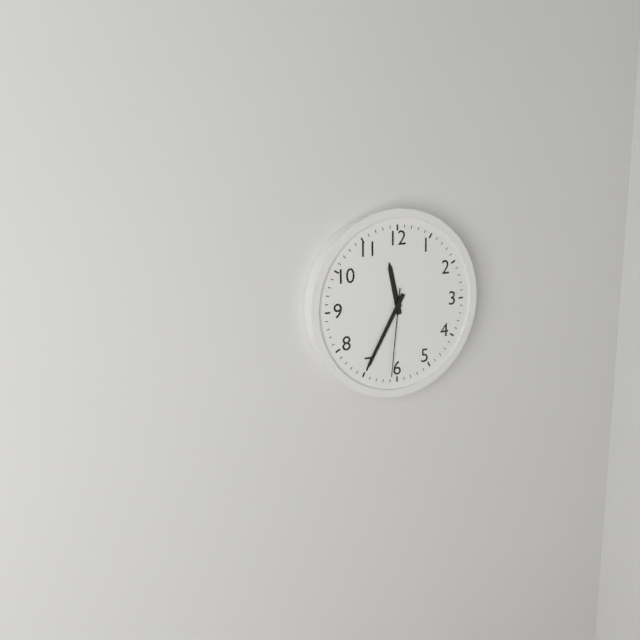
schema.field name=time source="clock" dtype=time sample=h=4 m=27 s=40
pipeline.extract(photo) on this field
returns h=11 m=35 s=31
